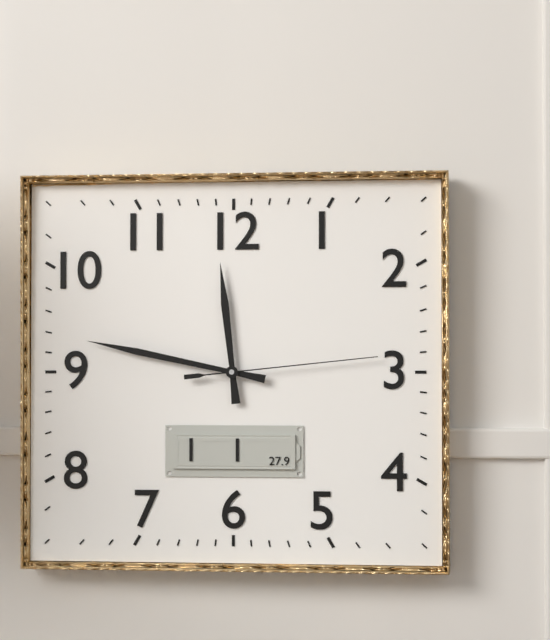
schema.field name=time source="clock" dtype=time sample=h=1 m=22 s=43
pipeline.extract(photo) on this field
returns h=11 m=47 s=14
